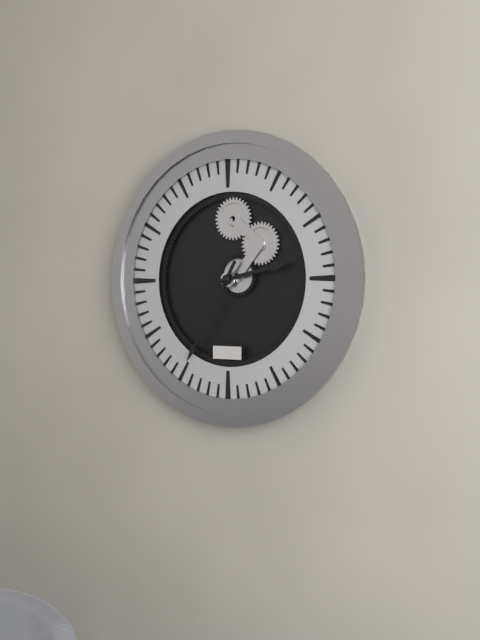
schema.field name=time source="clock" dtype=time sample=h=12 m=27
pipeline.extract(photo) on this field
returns h=2 m=35
